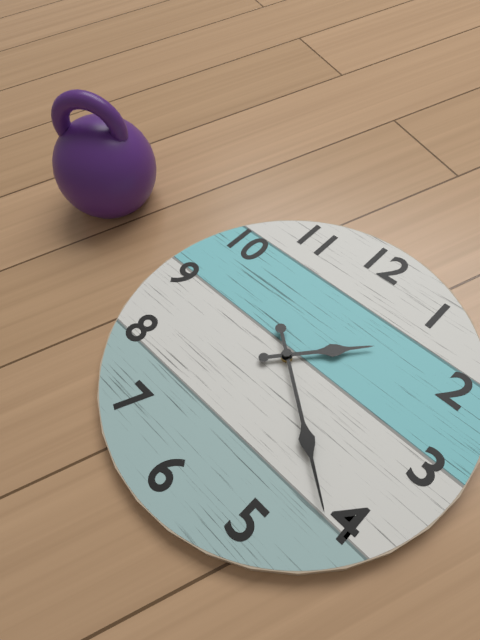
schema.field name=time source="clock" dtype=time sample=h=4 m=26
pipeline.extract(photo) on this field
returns h=1 m=21
